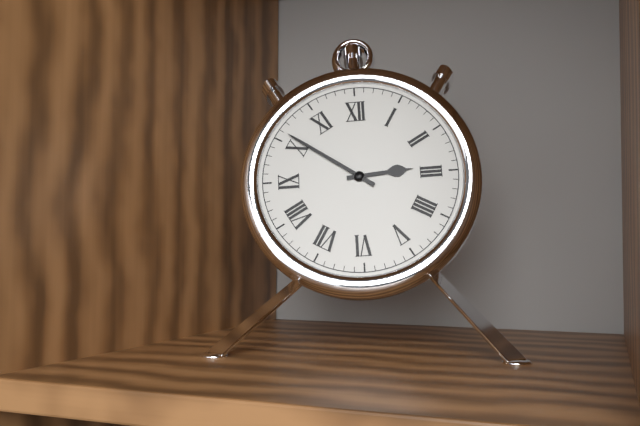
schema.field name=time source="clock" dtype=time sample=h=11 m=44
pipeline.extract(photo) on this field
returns h=2 m=51
